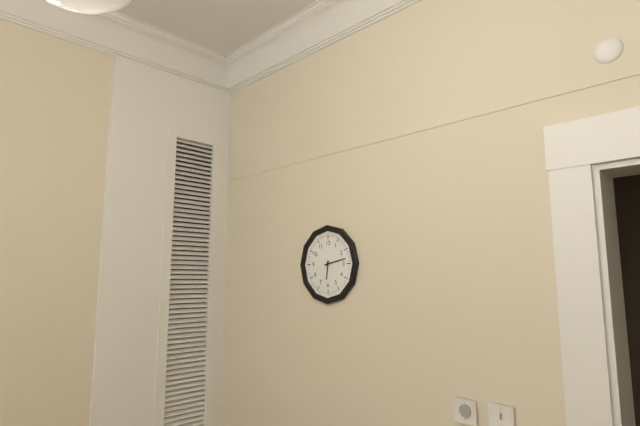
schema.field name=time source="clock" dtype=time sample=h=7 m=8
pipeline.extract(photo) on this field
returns h=6 m=13
